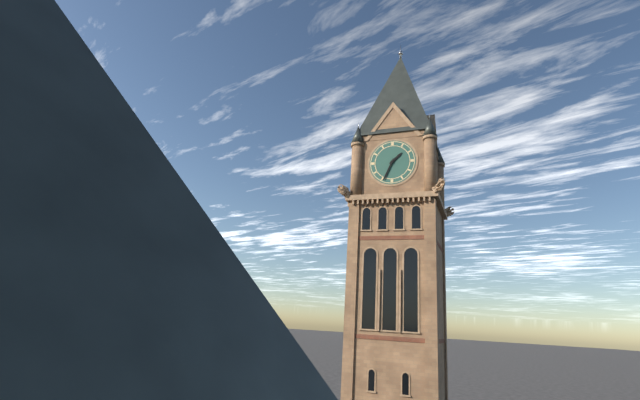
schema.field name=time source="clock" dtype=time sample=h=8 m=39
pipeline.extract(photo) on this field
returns h=1 m=34
